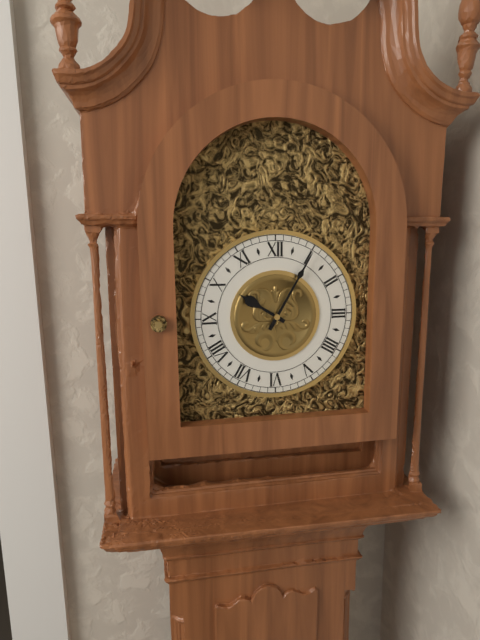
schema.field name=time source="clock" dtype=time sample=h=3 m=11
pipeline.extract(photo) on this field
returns h=10 m=5
